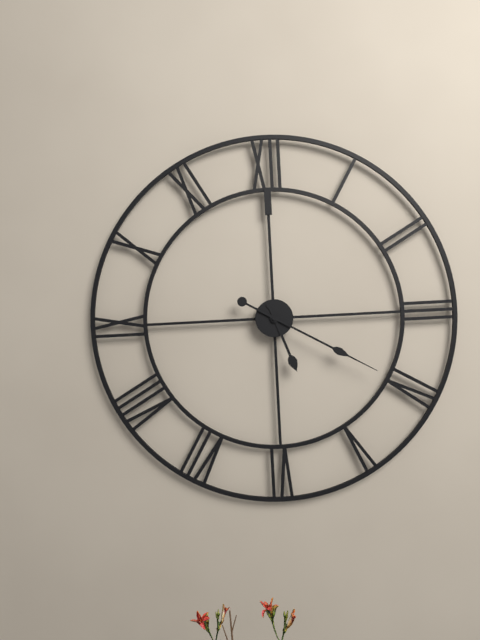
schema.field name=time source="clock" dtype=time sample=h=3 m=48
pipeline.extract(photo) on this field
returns h=5 m=20
